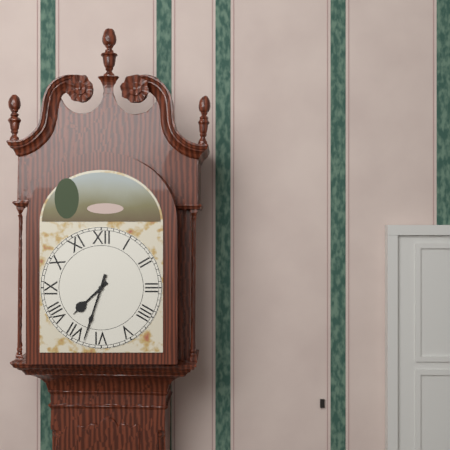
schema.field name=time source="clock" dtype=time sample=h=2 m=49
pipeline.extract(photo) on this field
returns h=7 m=33
